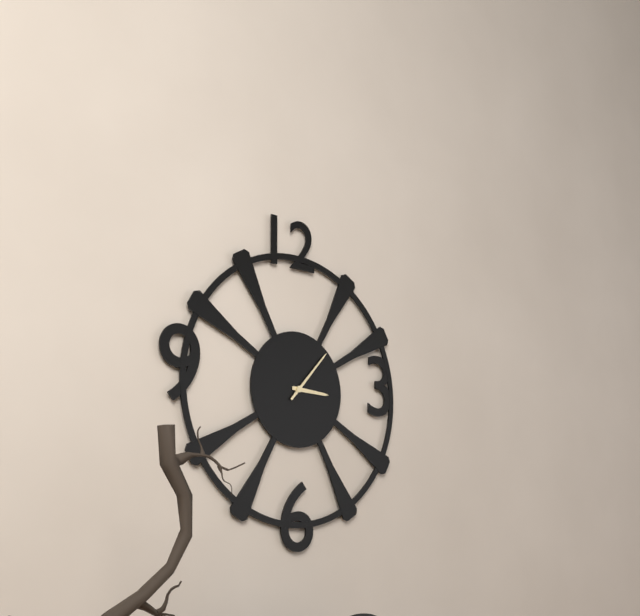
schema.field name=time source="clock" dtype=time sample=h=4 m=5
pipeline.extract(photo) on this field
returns h=3 m=7
